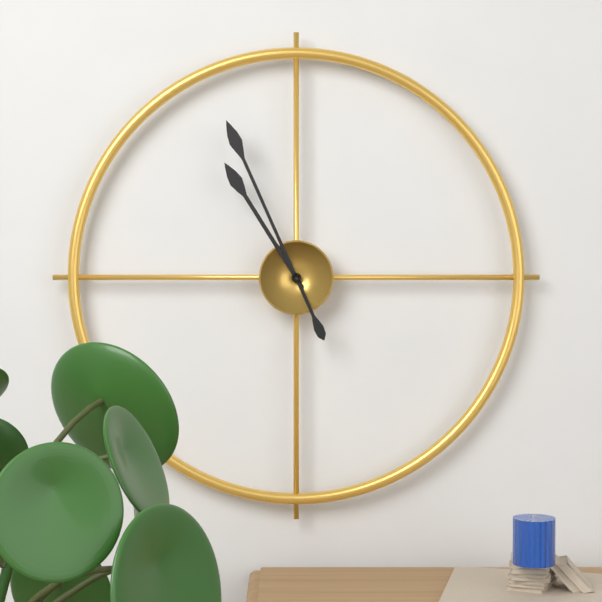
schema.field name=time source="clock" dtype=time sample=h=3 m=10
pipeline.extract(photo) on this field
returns h=10 m=56
